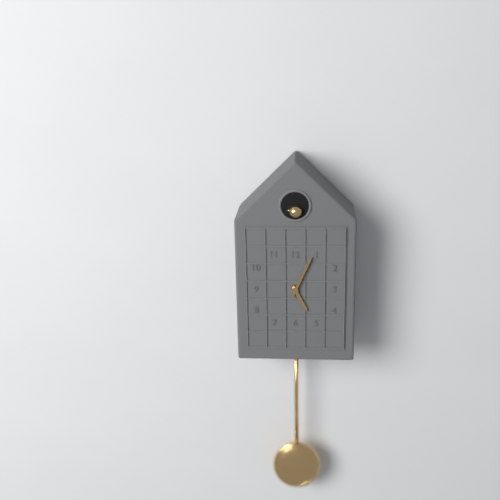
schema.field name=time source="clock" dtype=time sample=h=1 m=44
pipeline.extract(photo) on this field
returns h=5 m=4
